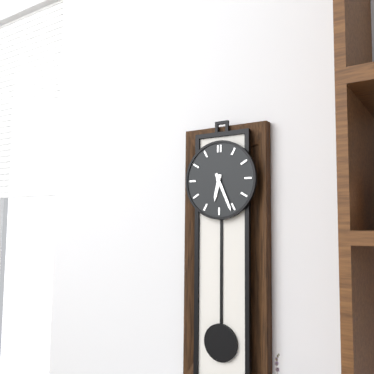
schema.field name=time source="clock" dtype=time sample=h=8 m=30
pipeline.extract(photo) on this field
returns h=6 m=26
